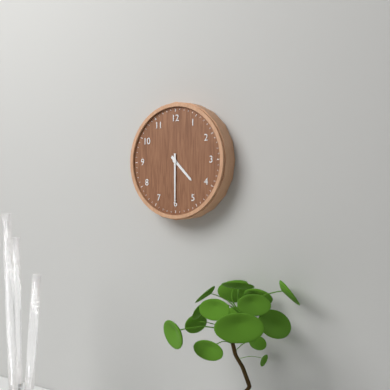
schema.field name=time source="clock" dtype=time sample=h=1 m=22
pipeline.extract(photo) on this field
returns h=4 m=30
